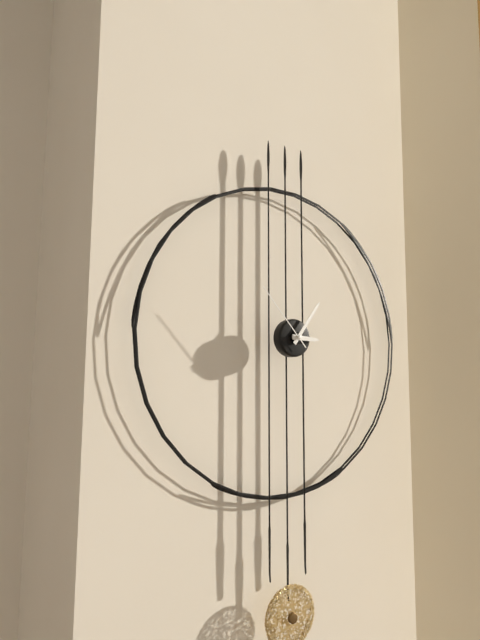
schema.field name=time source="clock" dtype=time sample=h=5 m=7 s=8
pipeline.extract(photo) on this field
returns h=3 m=6 s=53
